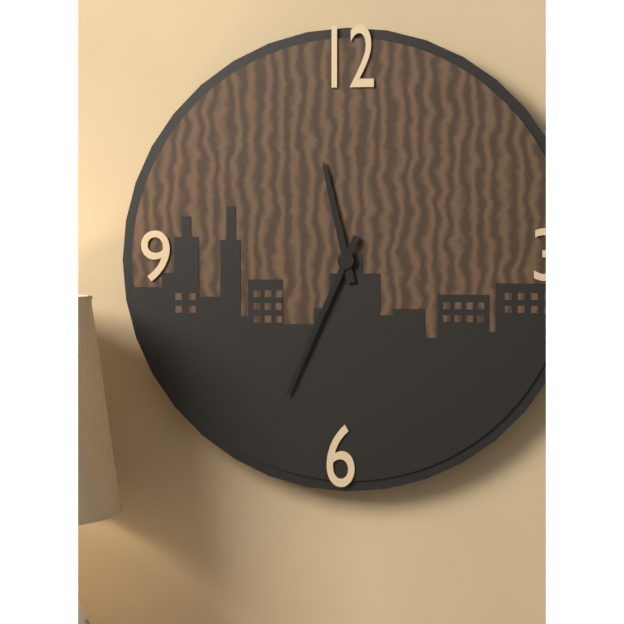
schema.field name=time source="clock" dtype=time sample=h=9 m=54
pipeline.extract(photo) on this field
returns h=11 m=34
